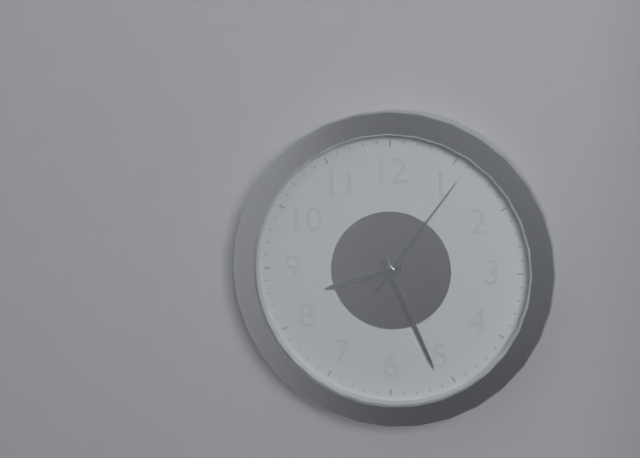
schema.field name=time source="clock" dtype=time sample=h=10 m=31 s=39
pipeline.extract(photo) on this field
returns h=8 m=26 s=6
